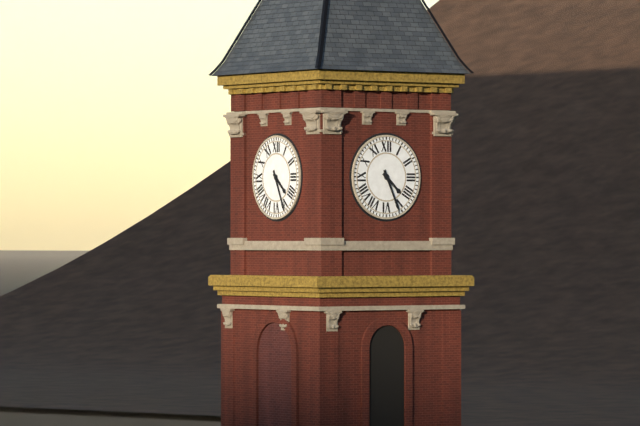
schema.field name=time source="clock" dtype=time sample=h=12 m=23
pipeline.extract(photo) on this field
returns h=4 m=26
